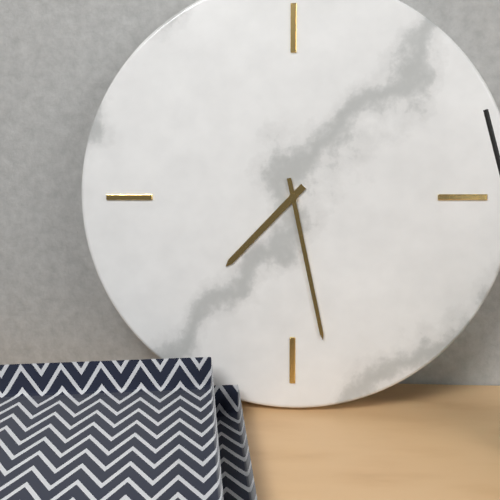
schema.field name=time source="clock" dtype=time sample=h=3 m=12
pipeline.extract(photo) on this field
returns h=7 m=28
